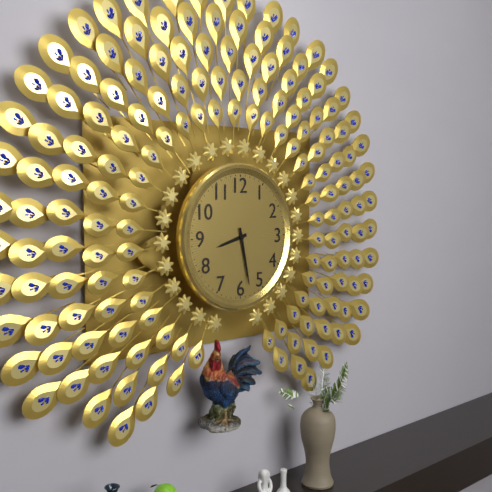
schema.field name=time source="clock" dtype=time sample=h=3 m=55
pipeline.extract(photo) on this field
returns h=8 m=28
